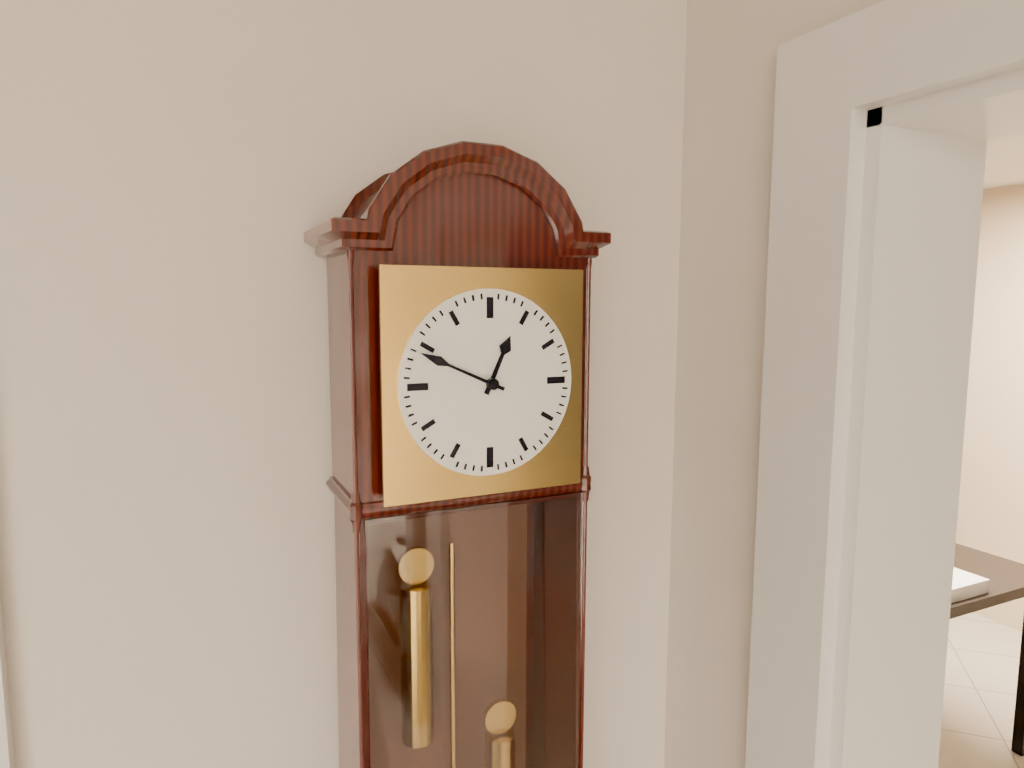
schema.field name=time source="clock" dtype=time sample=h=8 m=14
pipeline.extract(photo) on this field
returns h=12 m=49
